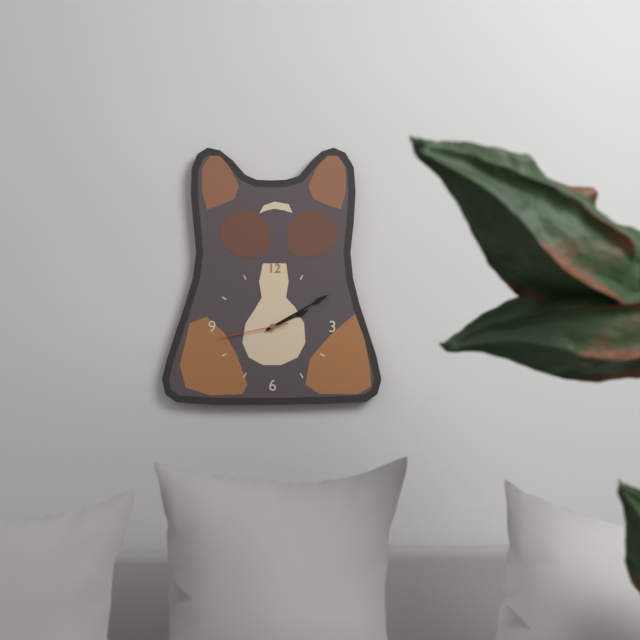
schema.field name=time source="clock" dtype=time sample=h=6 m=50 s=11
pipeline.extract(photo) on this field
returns h=2 m=10 s=43
